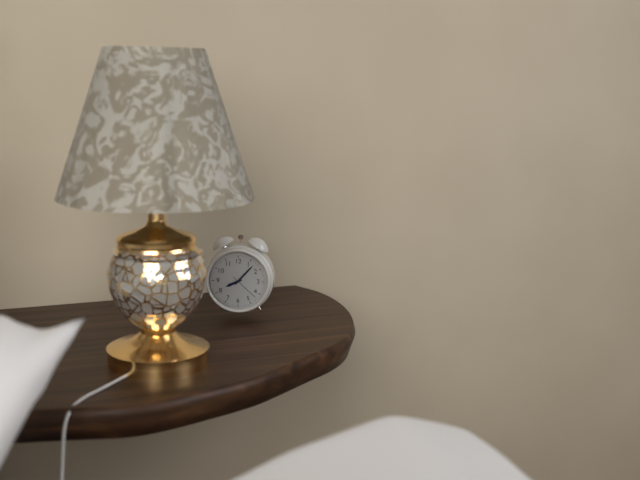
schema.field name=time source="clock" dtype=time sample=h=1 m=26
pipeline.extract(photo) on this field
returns h=8 m=7
